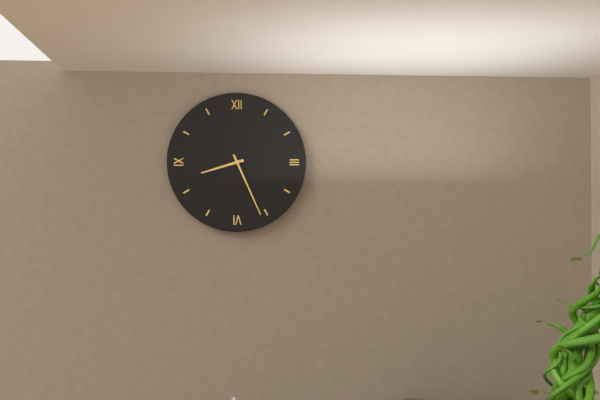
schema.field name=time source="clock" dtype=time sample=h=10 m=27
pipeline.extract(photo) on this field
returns h=8 m=26
